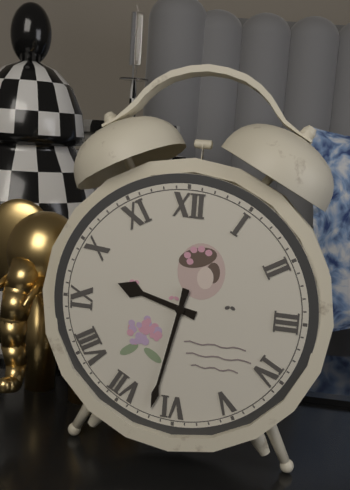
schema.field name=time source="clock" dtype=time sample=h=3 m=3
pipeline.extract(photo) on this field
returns h=9 m=32
